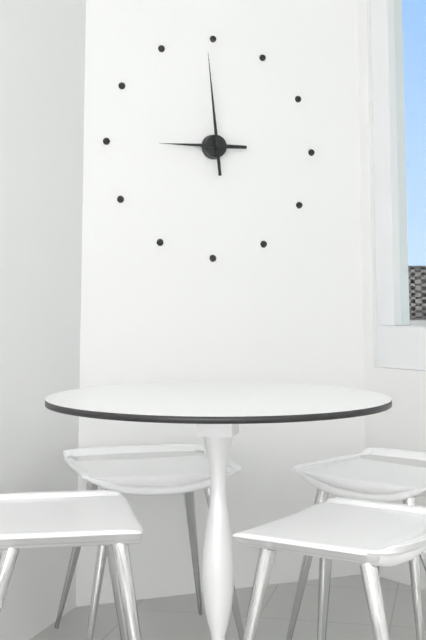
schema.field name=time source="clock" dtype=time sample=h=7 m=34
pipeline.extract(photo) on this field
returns h=8 m=59
